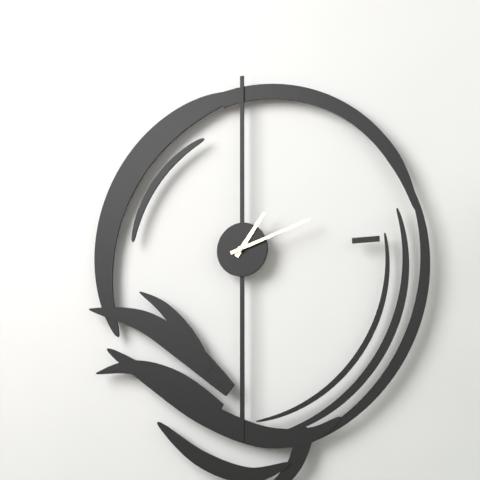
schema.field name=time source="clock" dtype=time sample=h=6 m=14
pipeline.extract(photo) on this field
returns h=1 m=12
